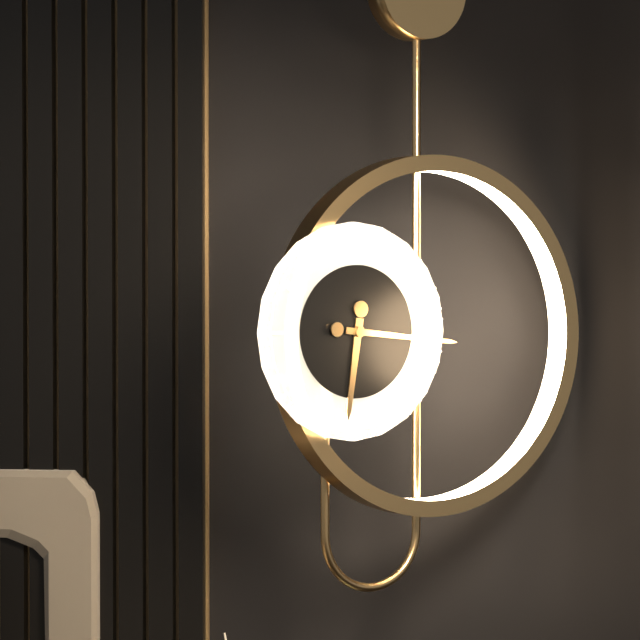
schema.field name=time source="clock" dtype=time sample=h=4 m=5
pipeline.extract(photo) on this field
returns h=6 m=16
